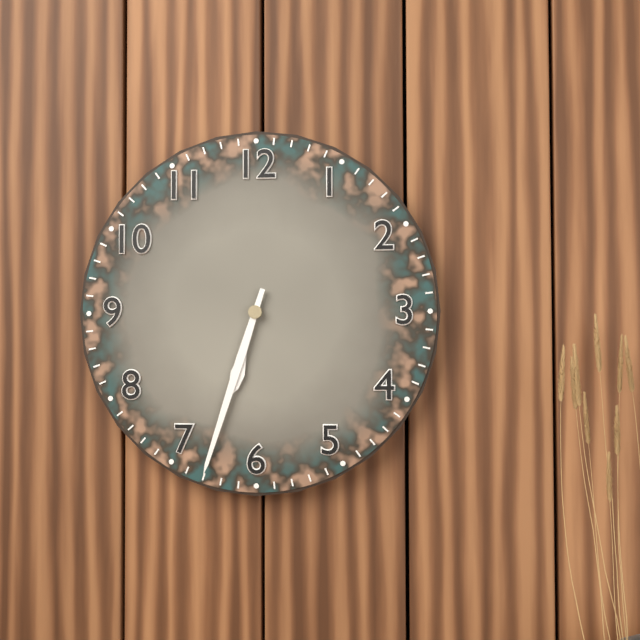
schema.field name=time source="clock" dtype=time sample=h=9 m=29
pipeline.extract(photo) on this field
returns h=6 m=33
